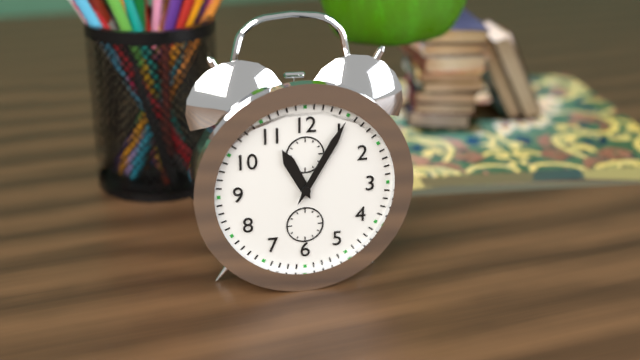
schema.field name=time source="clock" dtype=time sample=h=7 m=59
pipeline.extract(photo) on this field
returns h=11 m=5
